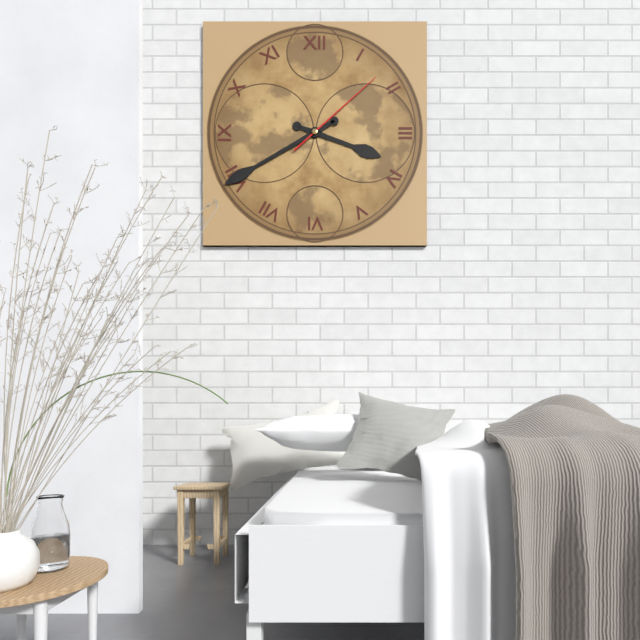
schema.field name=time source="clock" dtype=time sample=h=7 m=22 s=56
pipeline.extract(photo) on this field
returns h=3 m=40 s=8
